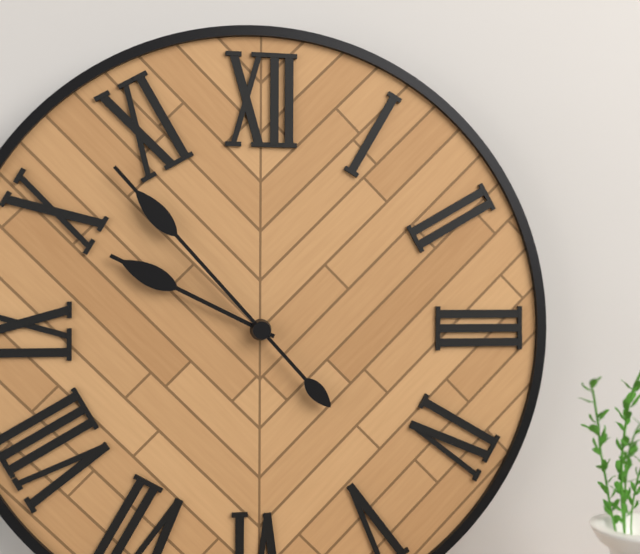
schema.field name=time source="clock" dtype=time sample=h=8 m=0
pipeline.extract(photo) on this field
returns h=9 m=53
